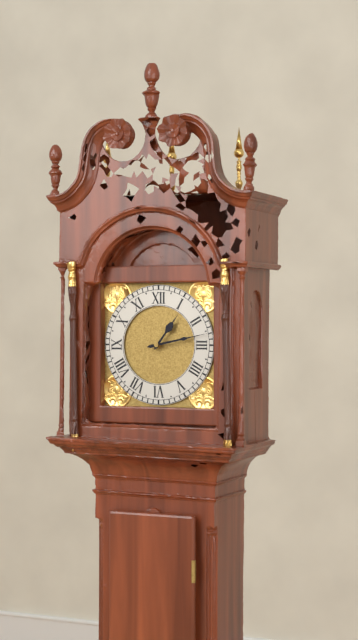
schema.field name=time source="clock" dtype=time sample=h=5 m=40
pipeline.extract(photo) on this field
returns h=1 m=13
